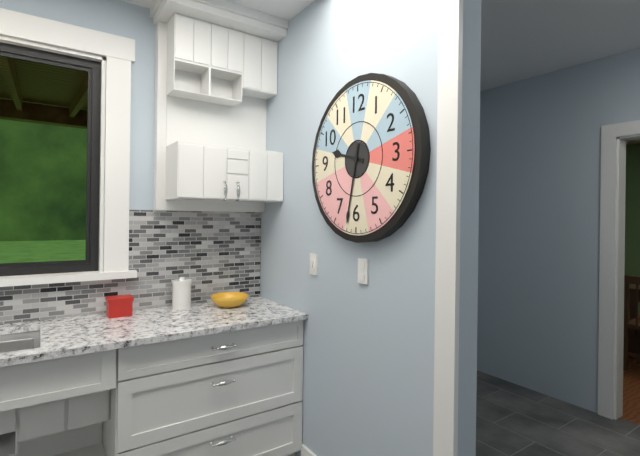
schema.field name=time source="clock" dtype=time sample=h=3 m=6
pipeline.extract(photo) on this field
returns h=9 m=32
